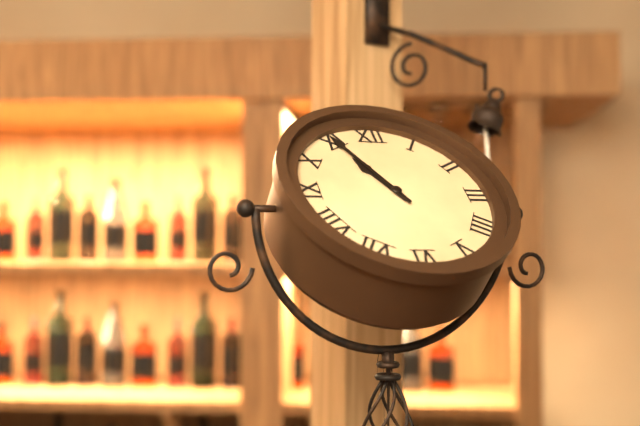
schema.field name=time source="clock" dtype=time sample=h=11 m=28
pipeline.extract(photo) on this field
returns h=10 m=55
